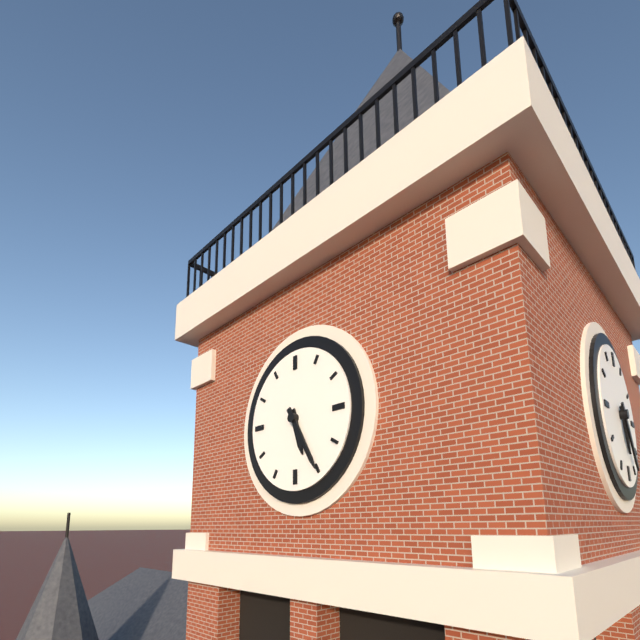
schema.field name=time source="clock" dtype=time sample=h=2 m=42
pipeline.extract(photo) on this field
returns h=5 m=25
